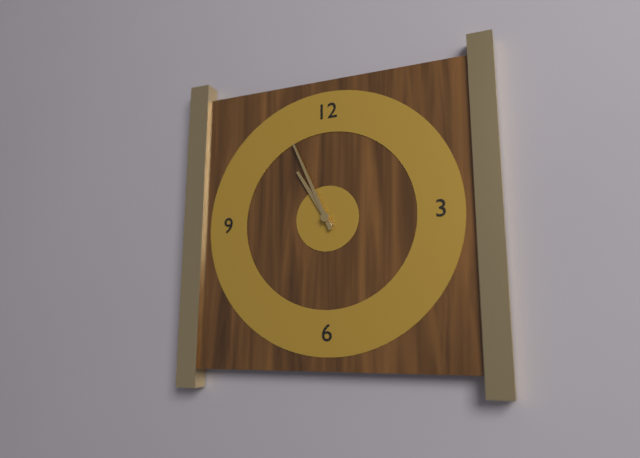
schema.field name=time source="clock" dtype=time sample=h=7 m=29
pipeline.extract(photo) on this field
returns h=10 m=56
